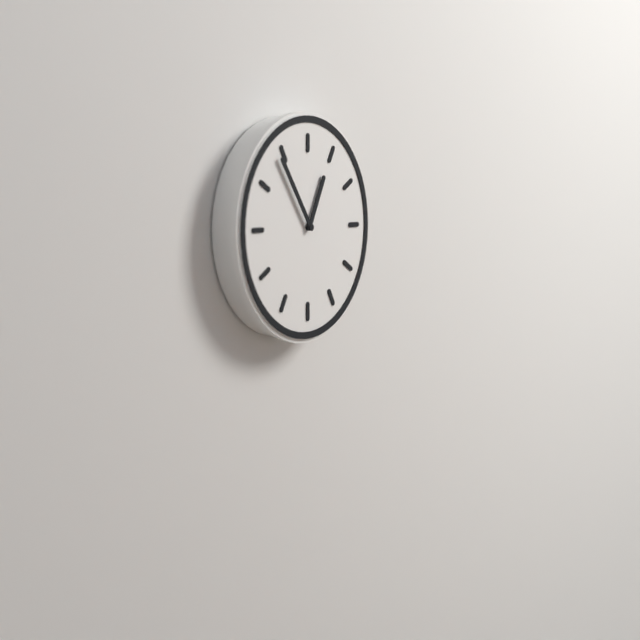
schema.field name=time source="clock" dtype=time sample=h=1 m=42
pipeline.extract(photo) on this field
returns h=12 m=54
